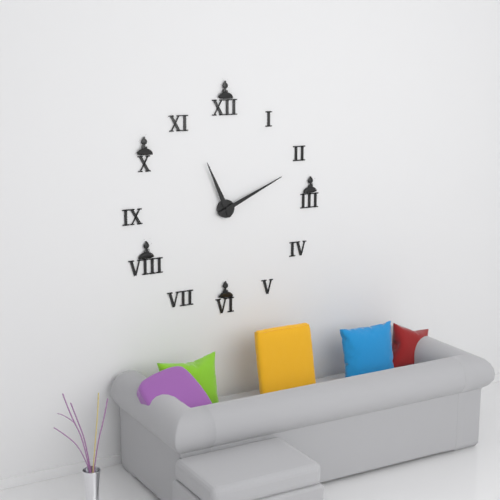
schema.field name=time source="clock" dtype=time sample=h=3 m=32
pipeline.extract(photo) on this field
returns h=11 m=11
